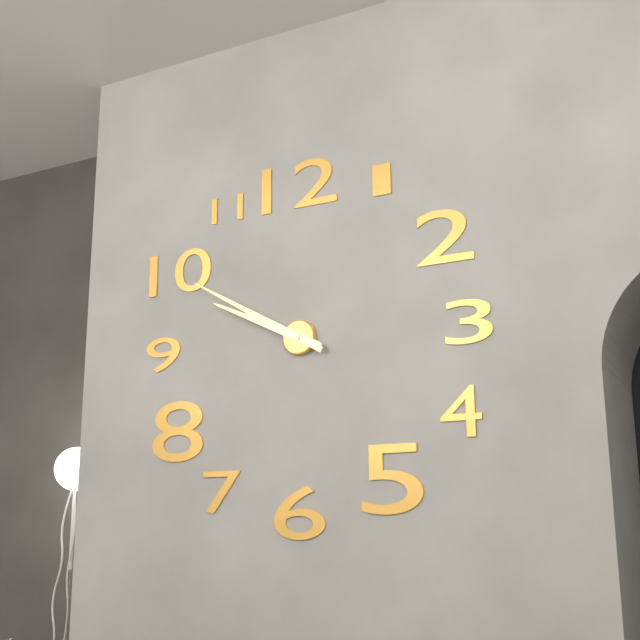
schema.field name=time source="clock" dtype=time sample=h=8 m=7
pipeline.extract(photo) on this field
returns h=9 m=50
